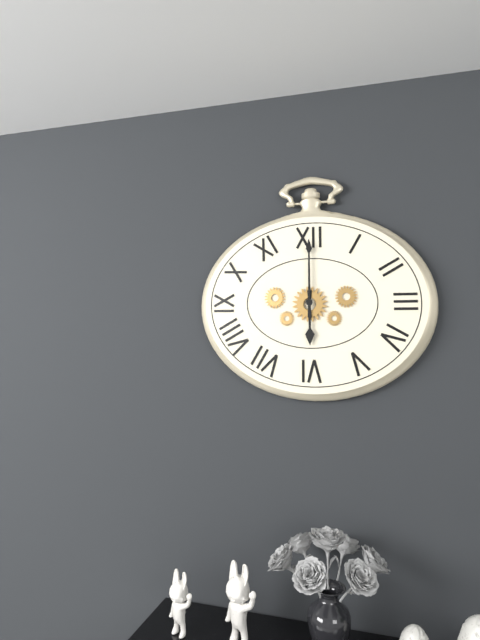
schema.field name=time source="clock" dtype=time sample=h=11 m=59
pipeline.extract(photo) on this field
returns h=6 m=0
